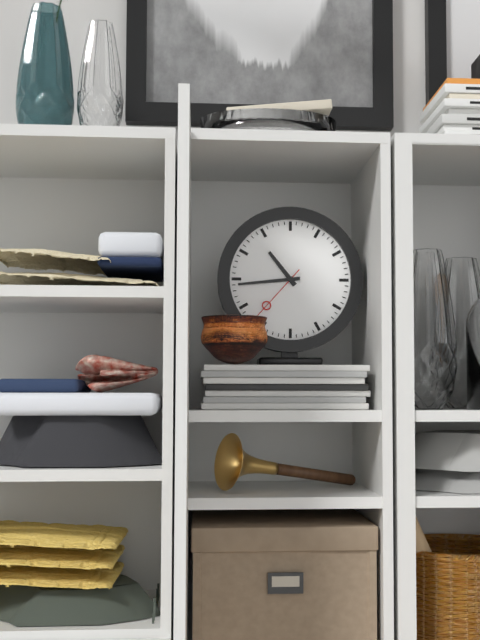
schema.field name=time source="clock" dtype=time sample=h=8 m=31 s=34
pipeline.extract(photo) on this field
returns h=10 m=44 s=37
